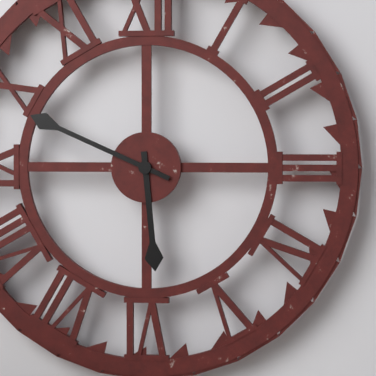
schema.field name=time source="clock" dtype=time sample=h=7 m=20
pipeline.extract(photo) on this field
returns h=5 m=49
